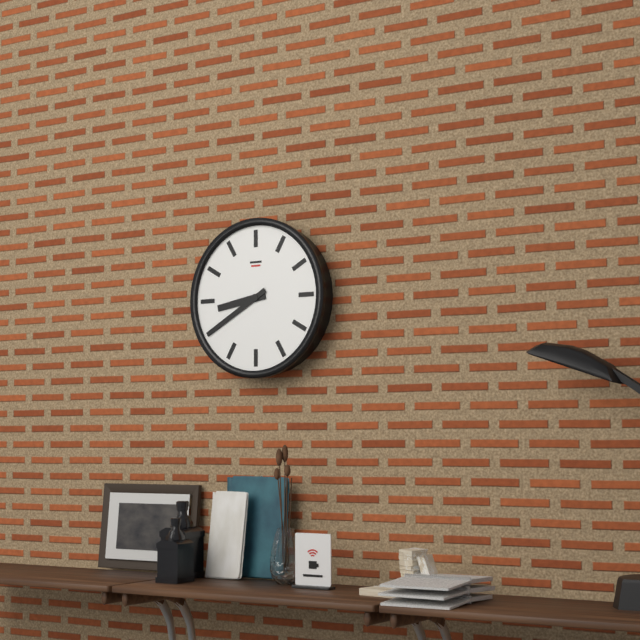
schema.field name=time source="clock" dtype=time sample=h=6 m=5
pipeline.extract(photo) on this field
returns h=8 m=40
